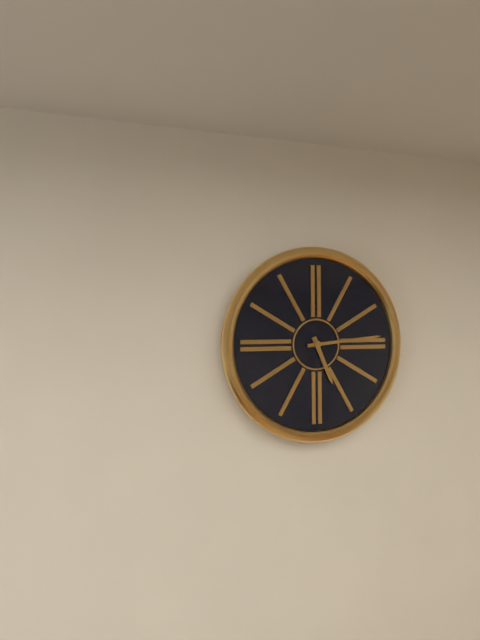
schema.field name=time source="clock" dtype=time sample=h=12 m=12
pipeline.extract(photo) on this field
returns h=5 m=14
